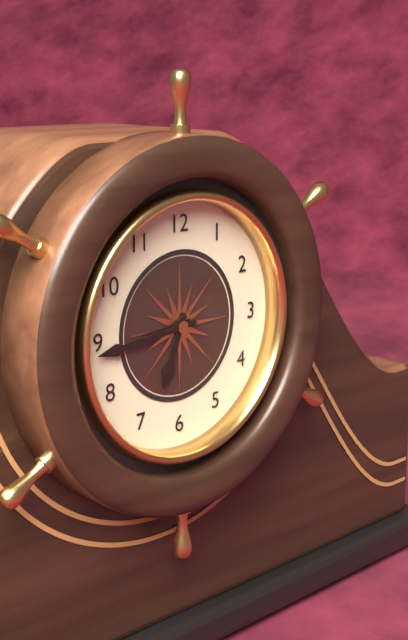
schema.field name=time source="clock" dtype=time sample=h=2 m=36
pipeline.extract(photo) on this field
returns h=6 m=44
